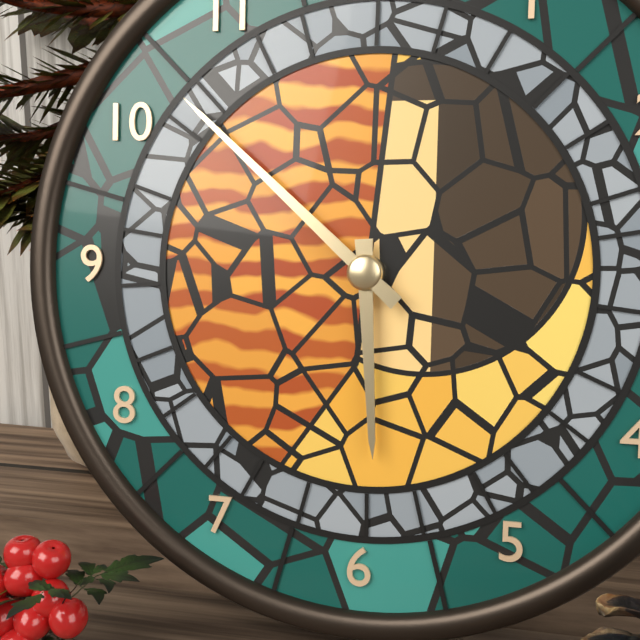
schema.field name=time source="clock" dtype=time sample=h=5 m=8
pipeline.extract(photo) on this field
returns h=5 m=52
